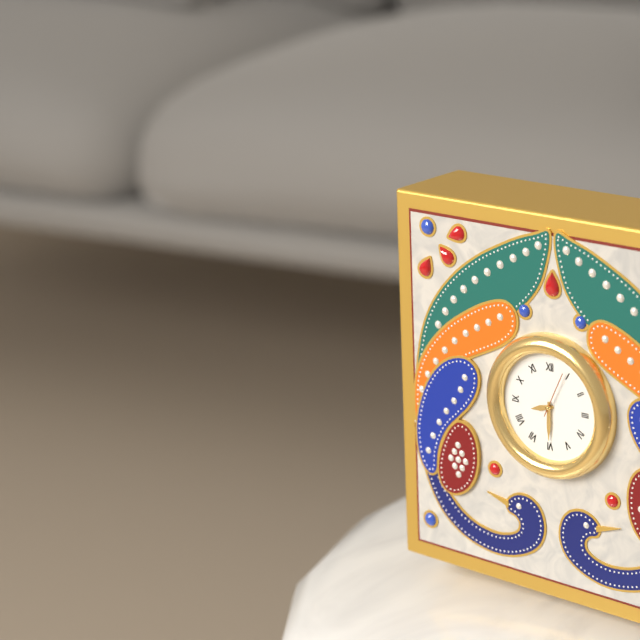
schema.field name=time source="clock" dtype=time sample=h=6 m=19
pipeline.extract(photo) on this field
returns h=8 m=30
